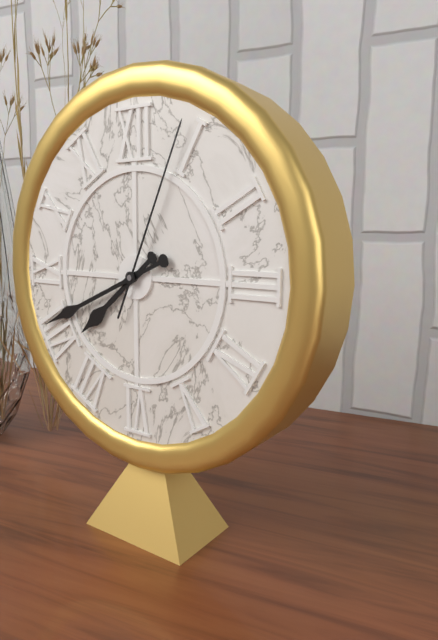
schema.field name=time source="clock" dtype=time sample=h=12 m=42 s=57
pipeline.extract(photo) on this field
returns h=7 m=41 s=4
